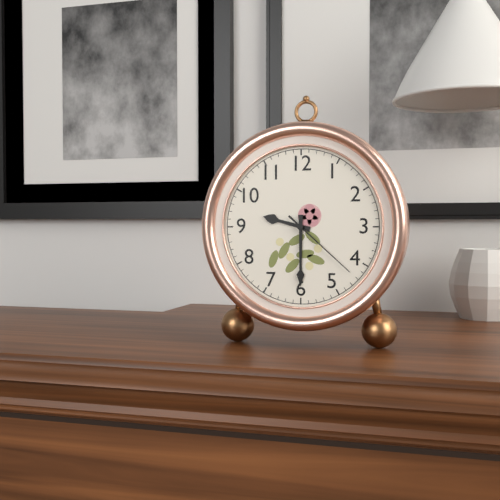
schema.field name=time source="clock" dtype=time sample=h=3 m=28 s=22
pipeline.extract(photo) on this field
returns h=9 m=30 s=22
